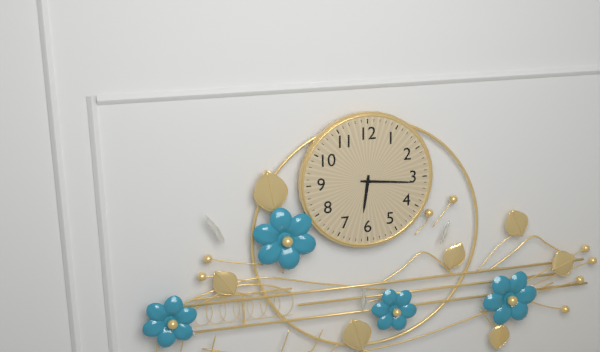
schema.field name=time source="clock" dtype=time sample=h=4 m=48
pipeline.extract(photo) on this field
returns h=6 m=16
